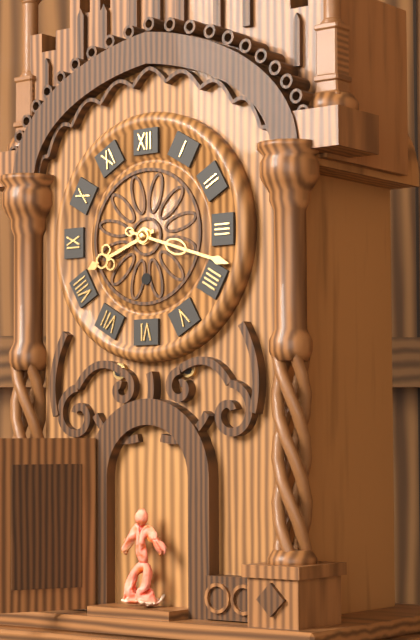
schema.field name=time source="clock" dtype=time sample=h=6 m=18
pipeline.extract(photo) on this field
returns h=8 m=18
